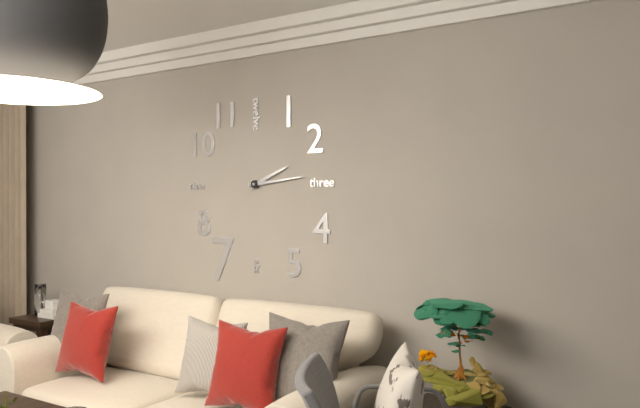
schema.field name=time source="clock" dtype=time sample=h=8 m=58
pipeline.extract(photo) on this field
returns h=2 m=14
